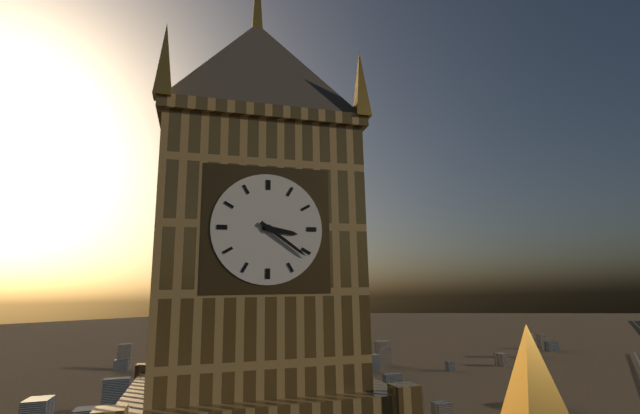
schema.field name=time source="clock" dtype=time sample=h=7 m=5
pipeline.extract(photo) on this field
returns h=3 m=21
